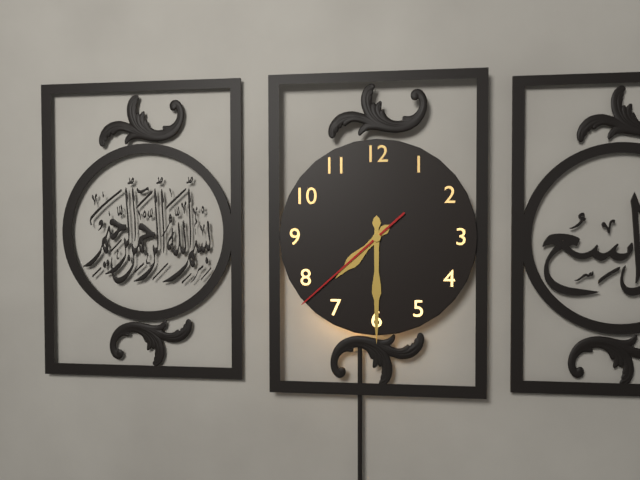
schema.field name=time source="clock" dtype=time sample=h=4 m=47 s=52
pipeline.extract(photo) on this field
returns h=7 m=30 s=38
